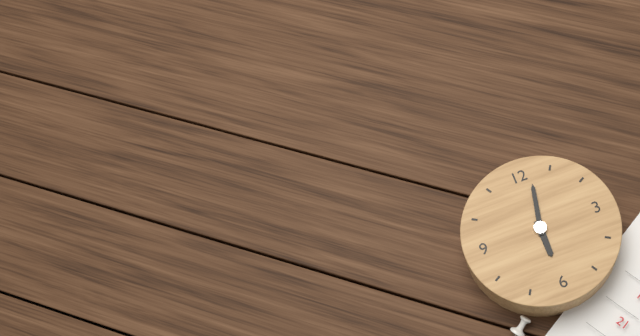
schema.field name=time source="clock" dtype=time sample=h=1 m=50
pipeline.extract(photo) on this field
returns h=6 m=2
